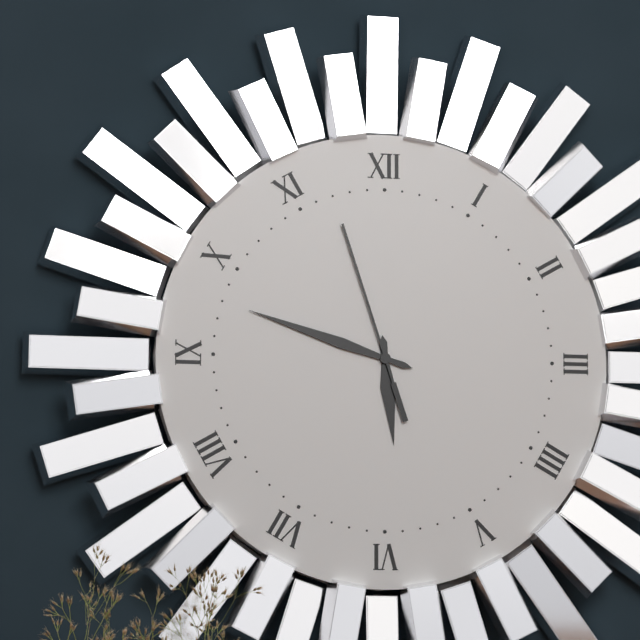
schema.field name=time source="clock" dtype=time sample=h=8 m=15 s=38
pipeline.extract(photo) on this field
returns h=5 m=48 s=57
